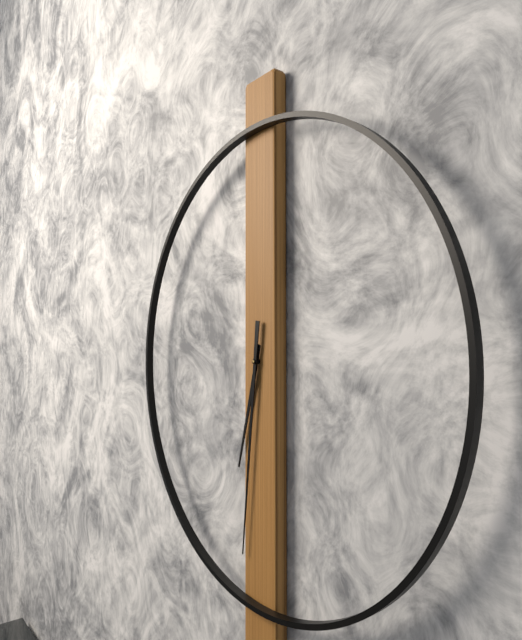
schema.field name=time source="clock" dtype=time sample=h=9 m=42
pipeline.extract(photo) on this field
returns h=6 m=31
